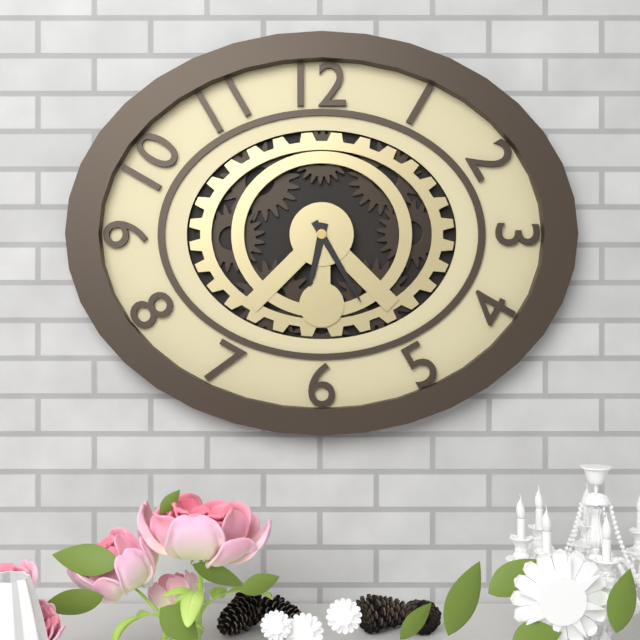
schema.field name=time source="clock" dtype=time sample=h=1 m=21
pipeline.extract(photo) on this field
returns h=6 m=25
